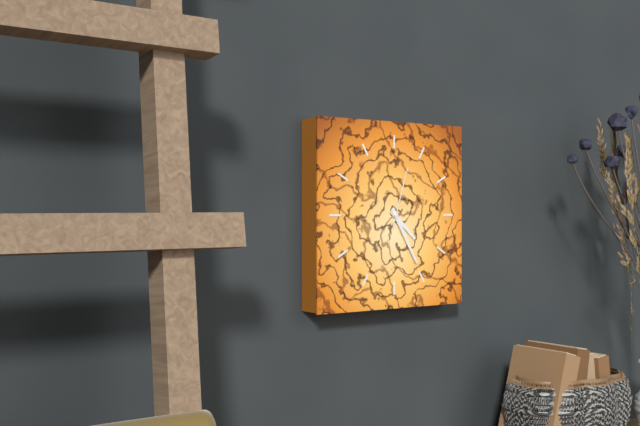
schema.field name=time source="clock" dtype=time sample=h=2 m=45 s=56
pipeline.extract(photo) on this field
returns h=4 m=25 s=3
